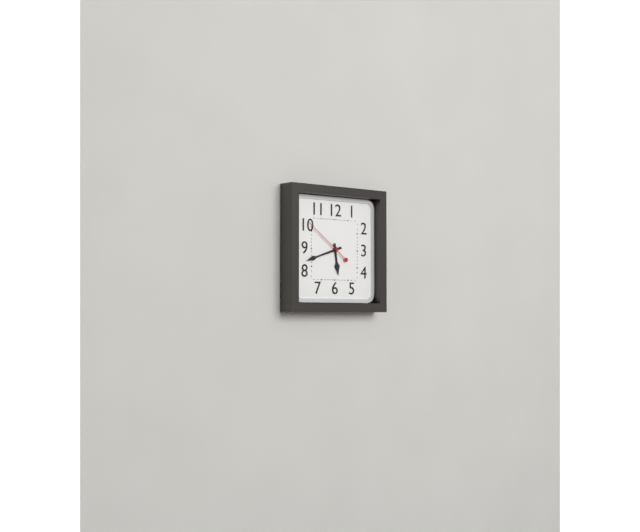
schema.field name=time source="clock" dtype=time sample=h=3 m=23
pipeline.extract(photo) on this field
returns h=5 m=42
